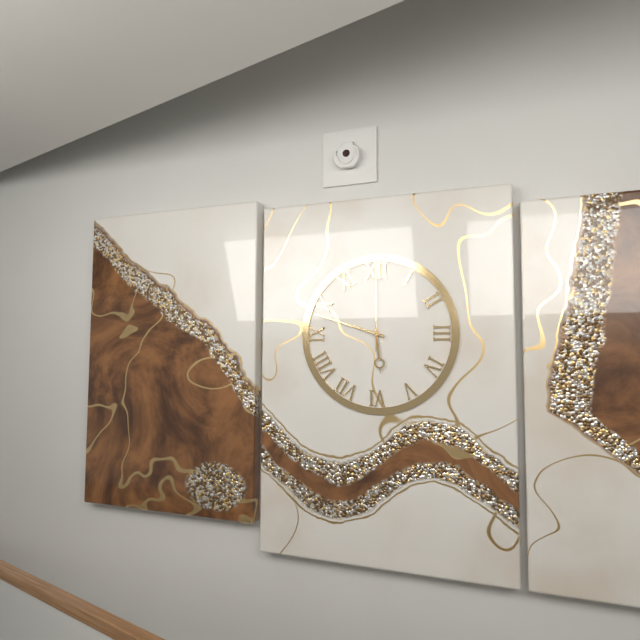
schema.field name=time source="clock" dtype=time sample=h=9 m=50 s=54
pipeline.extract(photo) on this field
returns h=5 m=48 s=0
